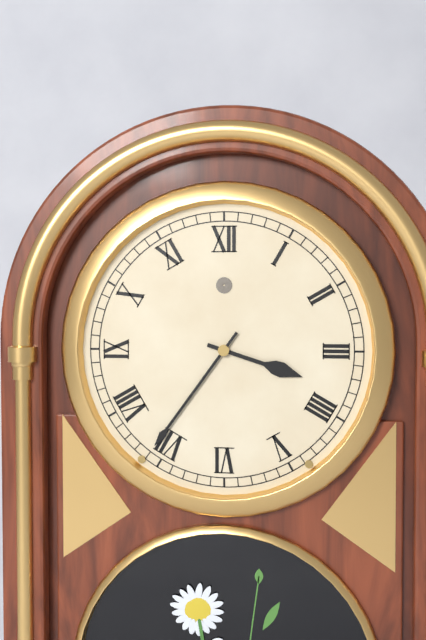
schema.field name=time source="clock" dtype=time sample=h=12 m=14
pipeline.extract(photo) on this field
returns h=3 m=36
